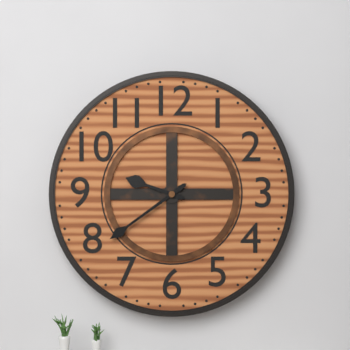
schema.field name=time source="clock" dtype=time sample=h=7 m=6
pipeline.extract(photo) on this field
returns h=9 m=39
